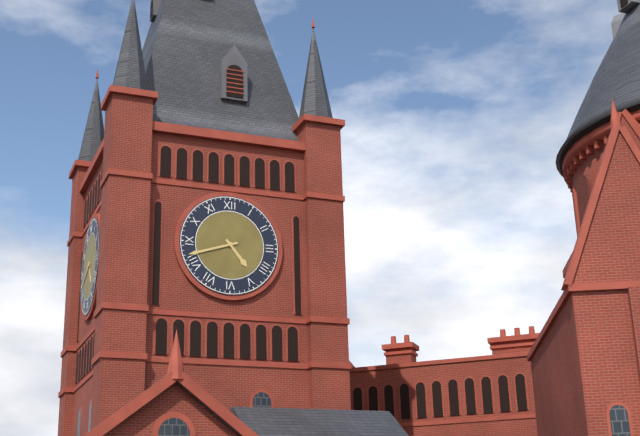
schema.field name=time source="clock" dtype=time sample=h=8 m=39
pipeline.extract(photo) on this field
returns h=4 m=42
